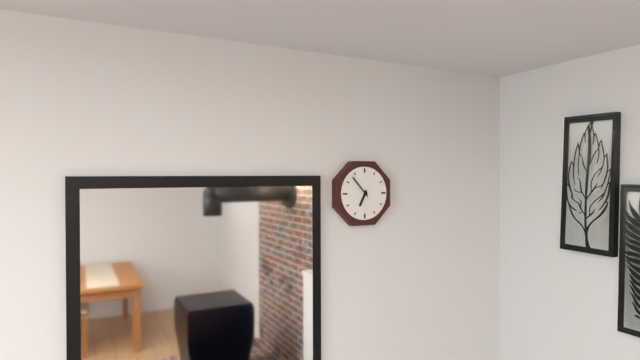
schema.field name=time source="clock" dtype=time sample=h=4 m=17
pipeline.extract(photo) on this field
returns h=6 m=53
